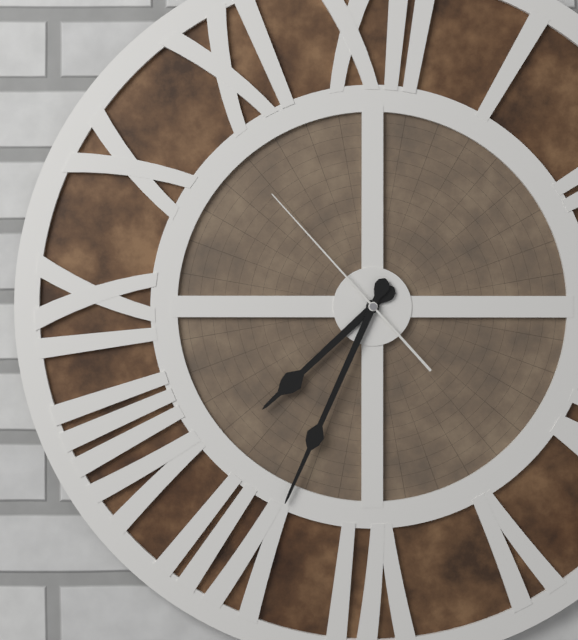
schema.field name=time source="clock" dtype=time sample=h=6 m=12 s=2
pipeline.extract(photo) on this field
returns h=7 m=34 s=53
